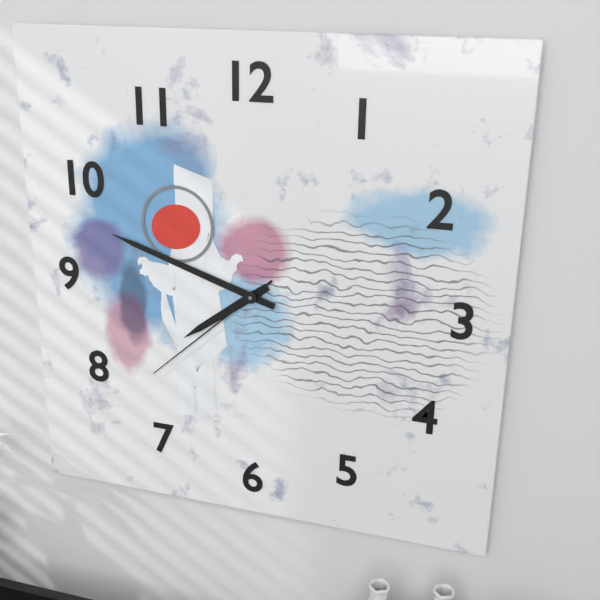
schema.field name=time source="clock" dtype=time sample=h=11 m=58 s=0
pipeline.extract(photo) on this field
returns h=7 m=48 s=38
